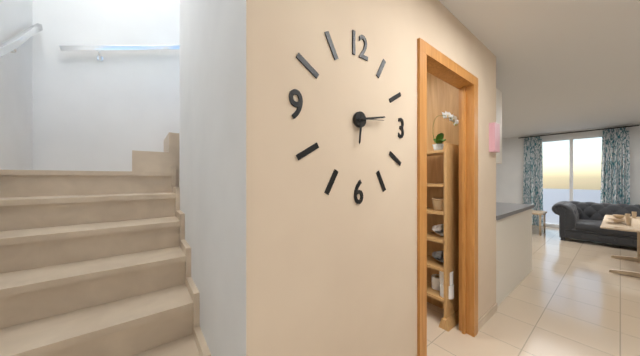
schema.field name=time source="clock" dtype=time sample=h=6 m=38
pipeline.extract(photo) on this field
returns h=6 m=13
